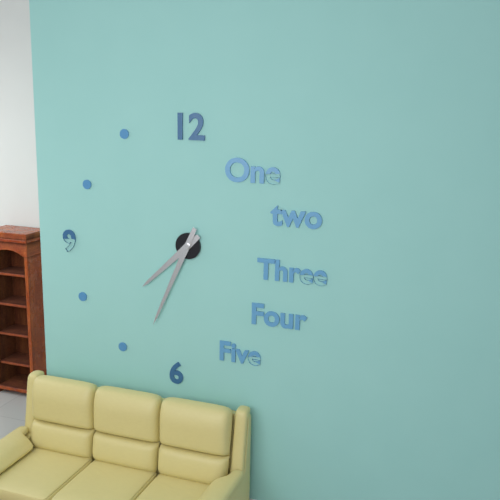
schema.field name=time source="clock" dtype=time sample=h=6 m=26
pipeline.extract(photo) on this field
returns h=7 m=34
